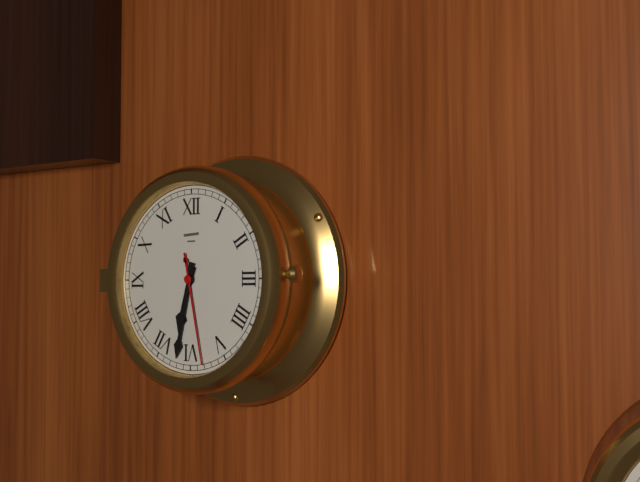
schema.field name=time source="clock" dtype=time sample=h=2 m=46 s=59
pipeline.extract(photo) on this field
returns h=6 m=32 s=28
